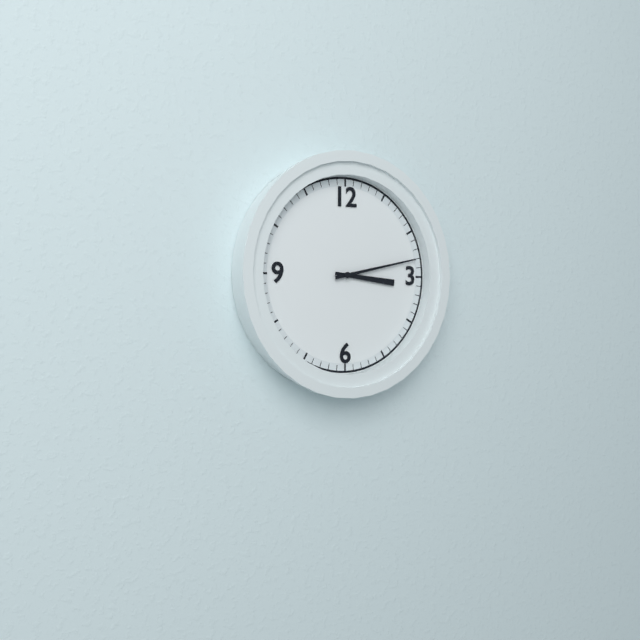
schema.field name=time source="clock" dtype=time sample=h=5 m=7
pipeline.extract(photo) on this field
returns h=3 m=13
